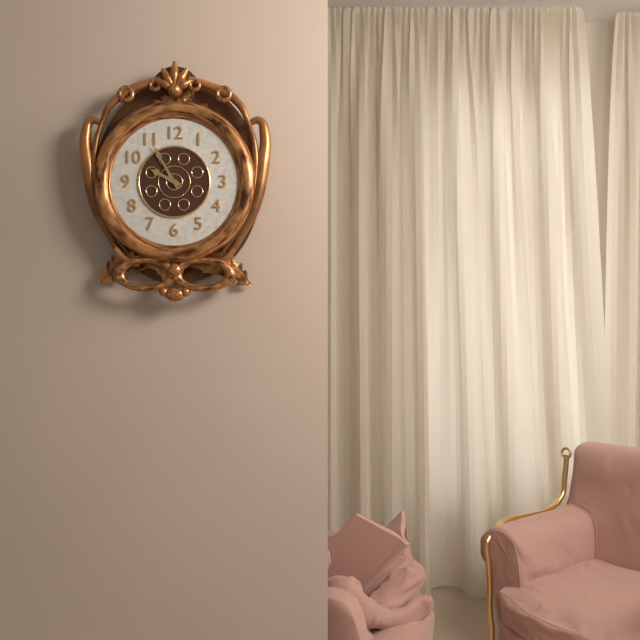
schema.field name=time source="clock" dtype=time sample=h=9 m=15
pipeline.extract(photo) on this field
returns h=9 m=55
